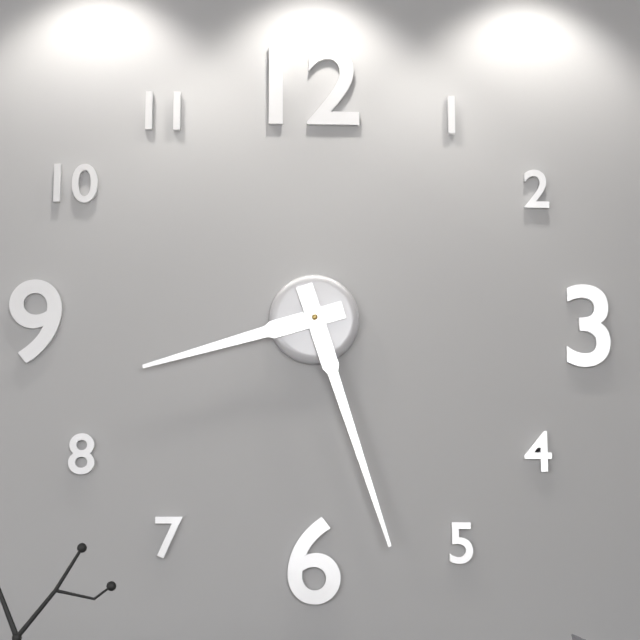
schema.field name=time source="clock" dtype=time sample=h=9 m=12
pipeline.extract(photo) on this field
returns h=8 m=27
